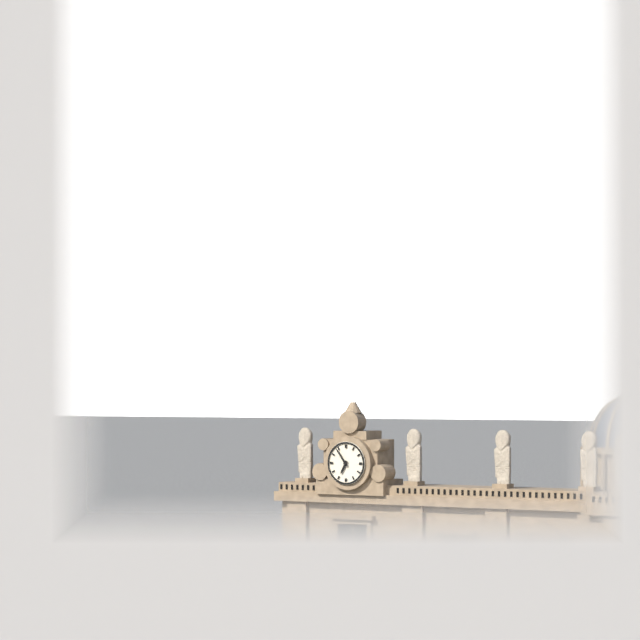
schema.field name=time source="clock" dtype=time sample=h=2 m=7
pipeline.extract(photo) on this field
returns h=6 m=54
